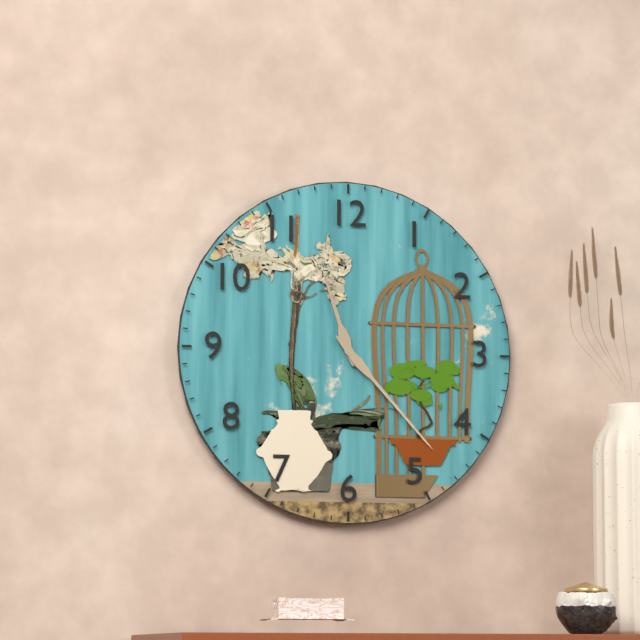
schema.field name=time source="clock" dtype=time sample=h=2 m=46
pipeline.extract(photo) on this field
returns h=11 m=23
